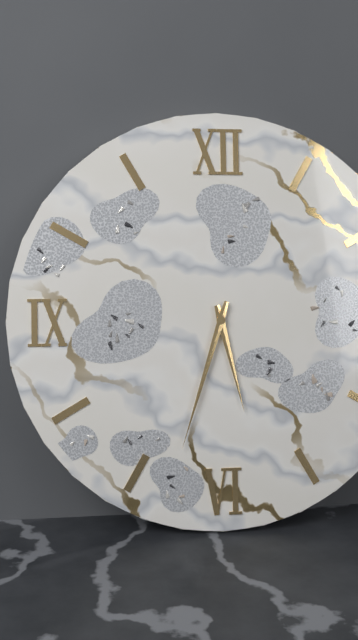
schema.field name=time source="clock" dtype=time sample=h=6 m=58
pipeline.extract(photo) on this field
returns h=5 m=33
